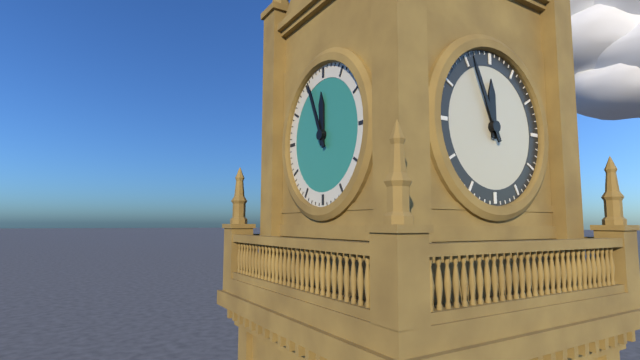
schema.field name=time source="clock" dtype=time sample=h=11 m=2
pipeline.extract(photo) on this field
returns h=11 m=56
